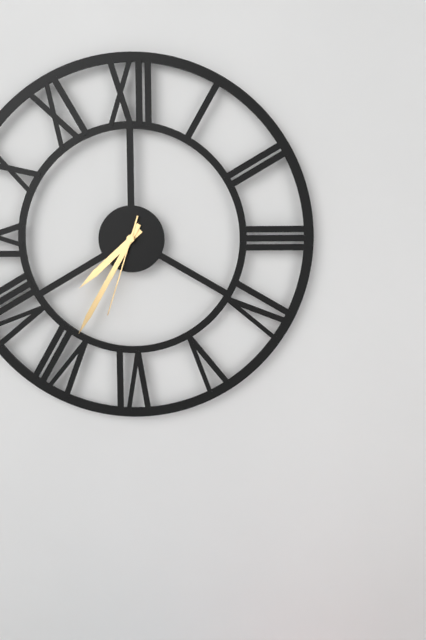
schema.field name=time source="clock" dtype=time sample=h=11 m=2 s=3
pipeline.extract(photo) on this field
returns h=7 m=35 s=33
